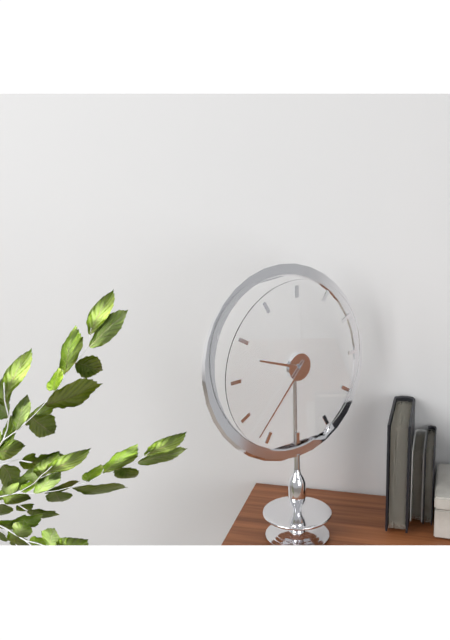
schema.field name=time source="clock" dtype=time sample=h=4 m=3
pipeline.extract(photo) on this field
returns h=9 m=37
